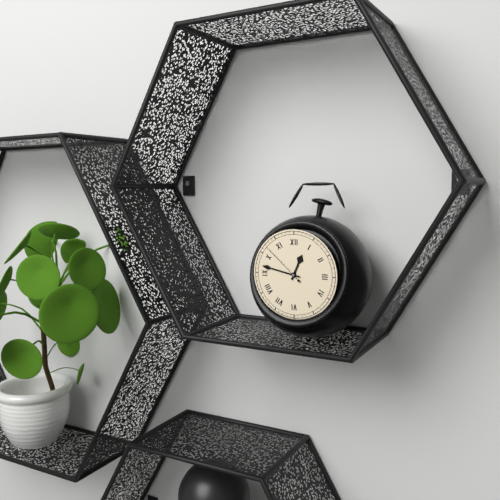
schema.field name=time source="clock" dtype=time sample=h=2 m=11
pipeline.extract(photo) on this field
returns h=12 m=47
